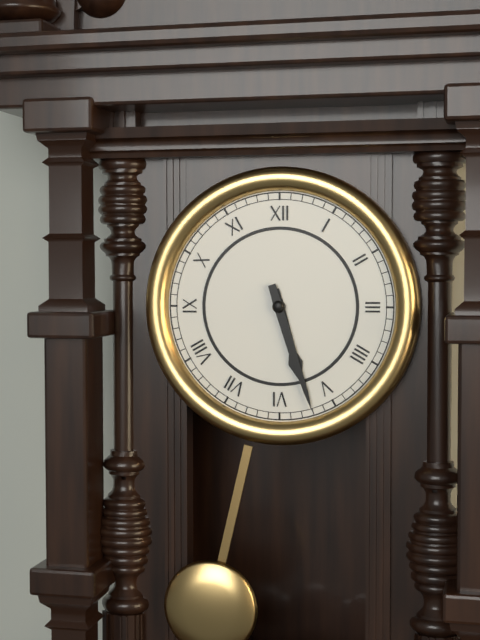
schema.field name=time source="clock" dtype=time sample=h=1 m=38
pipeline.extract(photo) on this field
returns h=5 m=27
